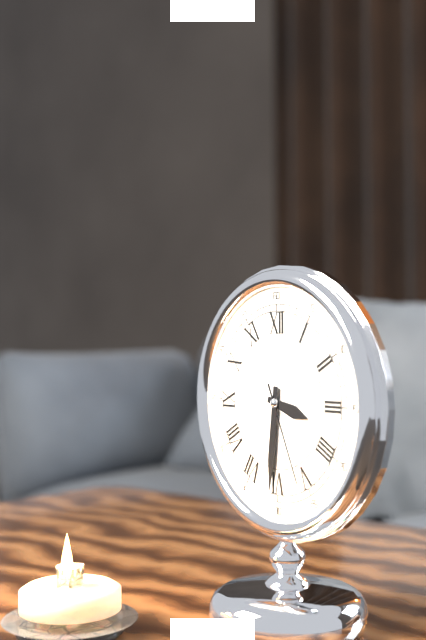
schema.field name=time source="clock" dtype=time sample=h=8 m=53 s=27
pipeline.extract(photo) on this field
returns h=3 m=31 s=26
